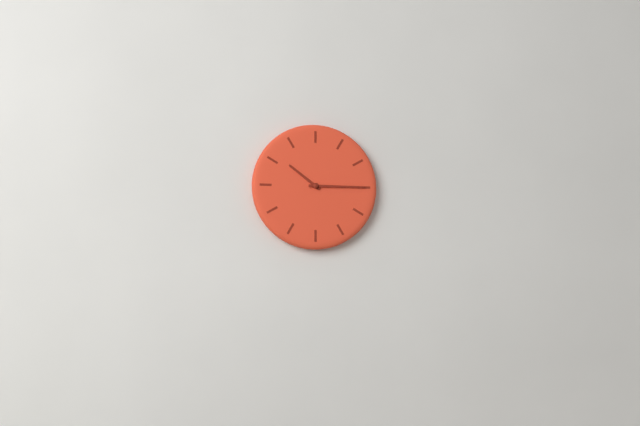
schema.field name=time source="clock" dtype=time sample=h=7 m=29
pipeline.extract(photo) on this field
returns h=10 m=15
